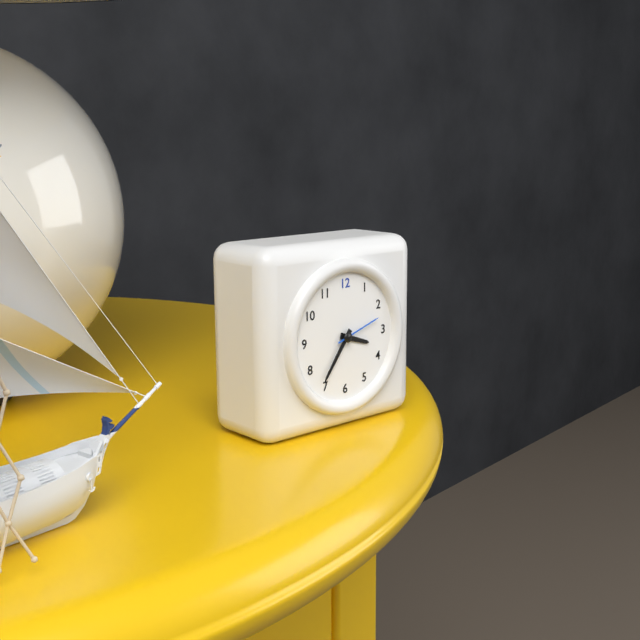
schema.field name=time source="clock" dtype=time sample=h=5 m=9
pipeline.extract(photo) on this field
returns h=3 m=36
